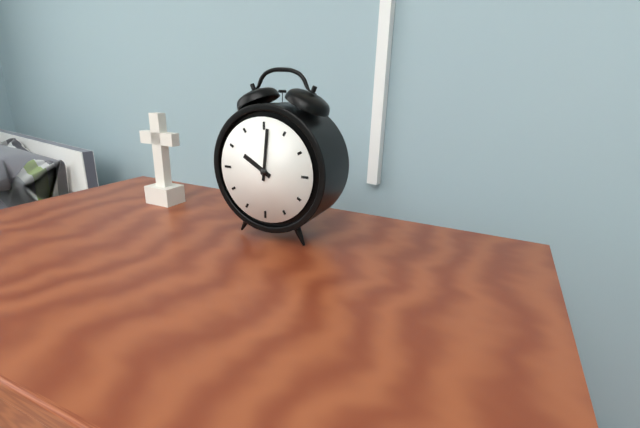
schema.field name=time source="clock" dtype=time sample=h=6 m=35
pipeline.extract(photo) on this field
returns h=10 m=1
